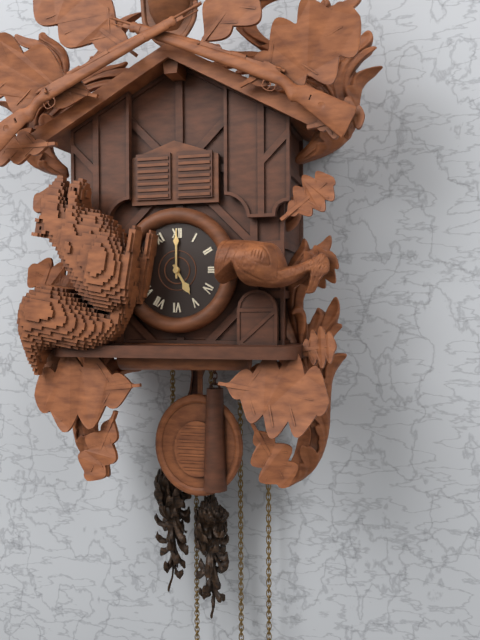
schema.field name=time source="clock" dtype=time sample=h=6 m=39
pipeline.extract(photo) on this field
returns h=5 m=0
